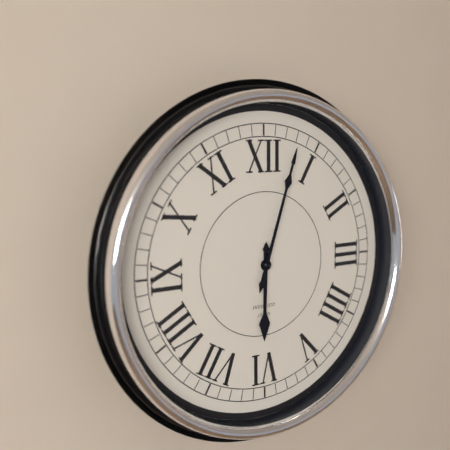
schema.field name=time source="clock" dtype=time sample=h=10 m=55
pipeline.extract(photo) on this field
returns h=6 m=3
